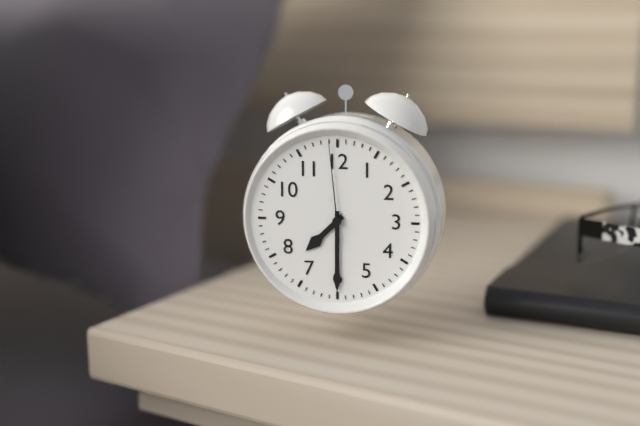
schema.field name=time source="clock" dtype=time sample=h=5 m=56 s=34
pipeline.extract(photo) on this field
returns h=7 m=30 s=59
